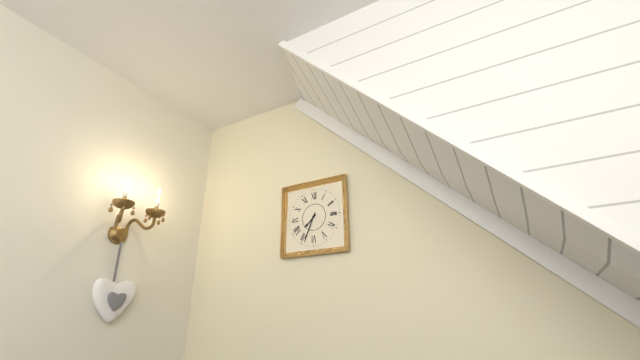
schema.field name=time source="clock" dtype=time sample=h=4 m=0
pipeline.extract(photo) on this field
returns h=7 m=34
